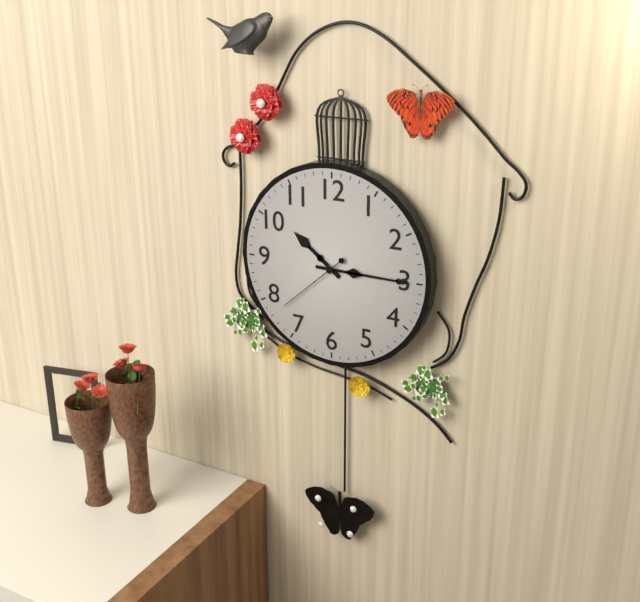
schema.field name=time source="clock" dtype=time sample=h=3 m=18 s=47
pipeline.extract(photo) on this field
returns h=10 m=15 s=38
